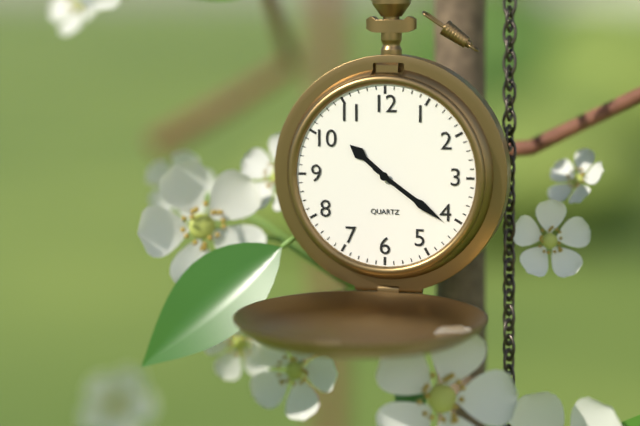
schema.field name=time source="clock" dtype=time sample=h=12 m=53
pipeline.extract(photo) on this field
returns h=10 m=21
